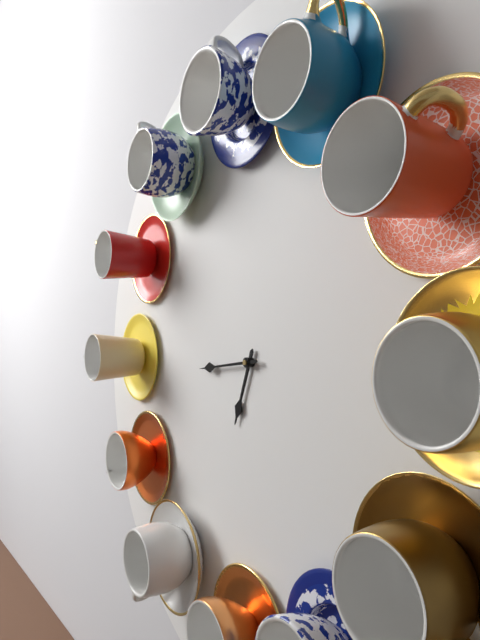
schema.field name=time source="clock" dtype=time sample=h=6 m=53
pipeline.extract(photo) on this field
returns h=6 m=44
